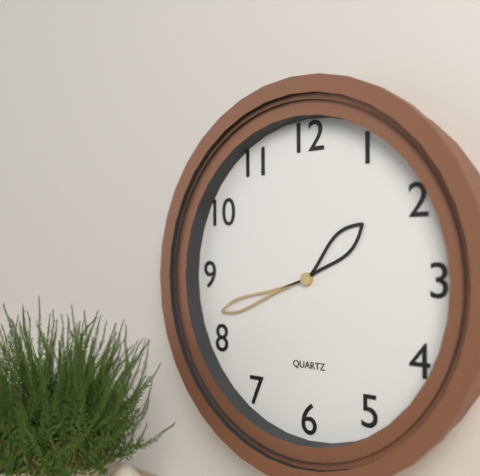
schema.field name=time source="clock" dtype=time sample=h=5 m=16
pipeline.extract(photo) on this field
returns h=1 m=42
